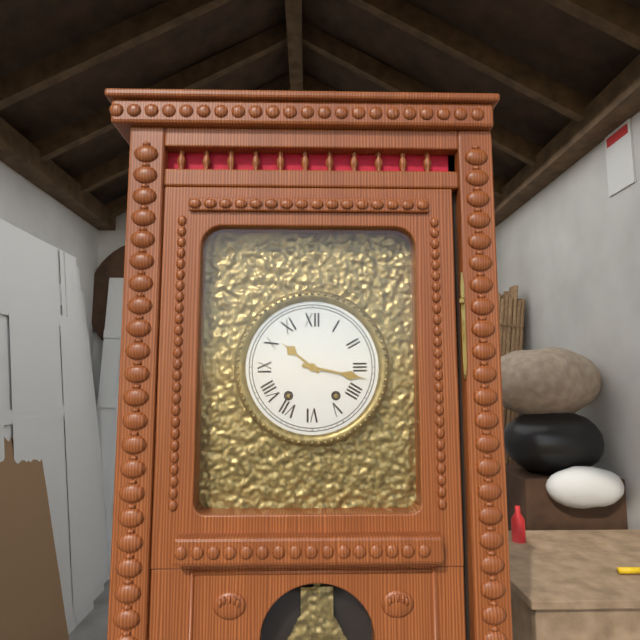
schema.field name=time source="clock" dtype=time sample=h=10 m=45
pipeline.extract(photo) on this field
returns h=10 m=17
